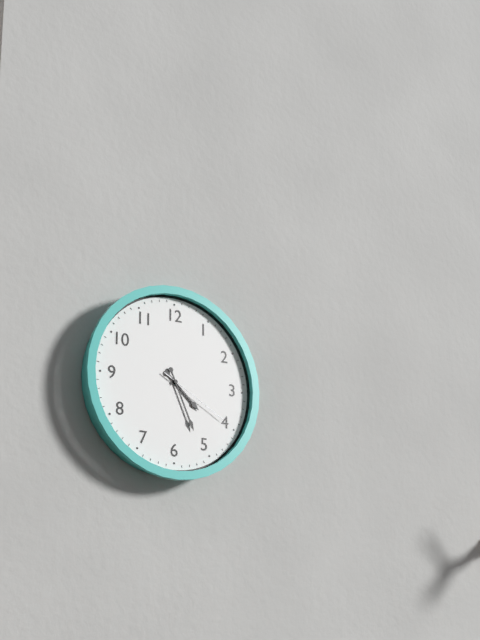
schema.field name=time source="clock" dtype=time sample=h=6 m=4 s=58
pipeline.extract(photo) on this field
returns h=4 m=26 s=20
